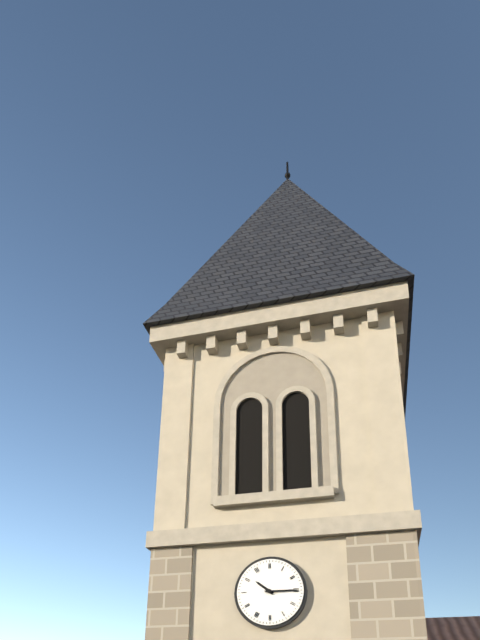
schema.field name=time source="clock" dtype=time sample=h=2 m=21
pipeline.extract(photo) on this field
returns h=10 m=15
